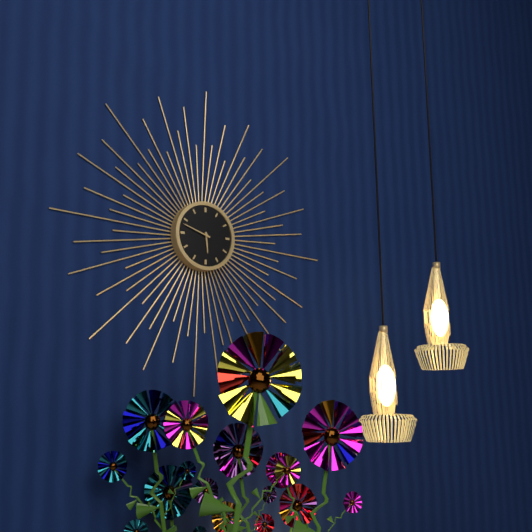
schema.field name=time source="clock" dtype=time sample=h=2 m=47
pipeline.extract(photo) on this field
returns h=5 m=48
